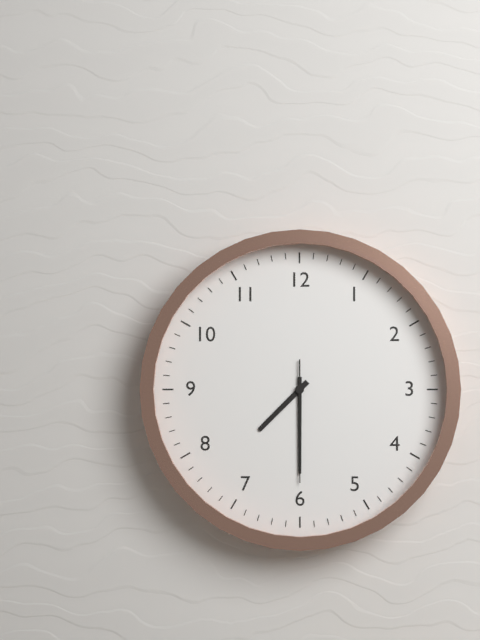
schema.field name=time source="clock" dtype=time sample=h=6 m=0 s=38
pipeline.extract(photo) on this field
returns h=7 m=30 s=30
